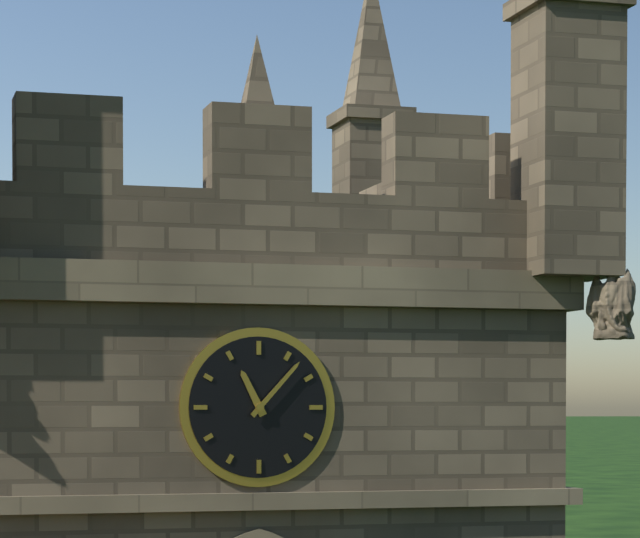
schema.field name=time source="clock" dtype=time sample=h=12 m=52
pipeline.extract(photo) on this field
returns h=11 m=7
